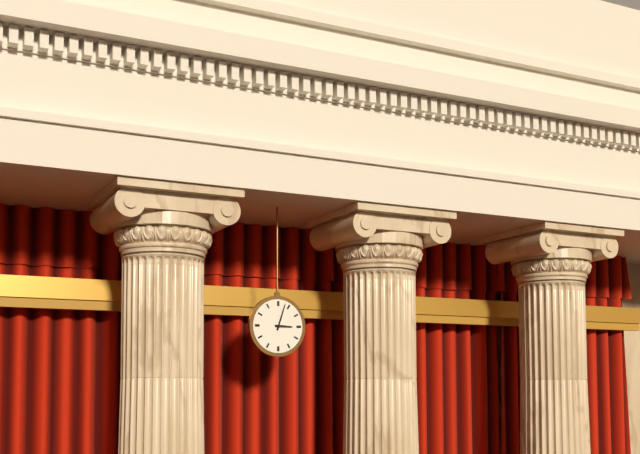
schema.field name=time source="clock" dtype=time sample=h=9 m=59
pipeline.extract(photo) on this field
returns h=3 m=3
